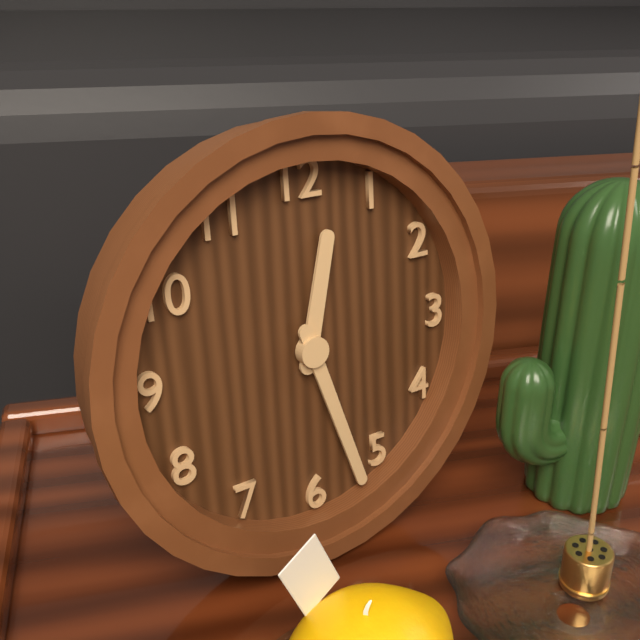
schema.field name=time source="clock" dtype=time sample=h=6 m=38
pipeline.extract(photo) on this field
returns h=12 m=27
